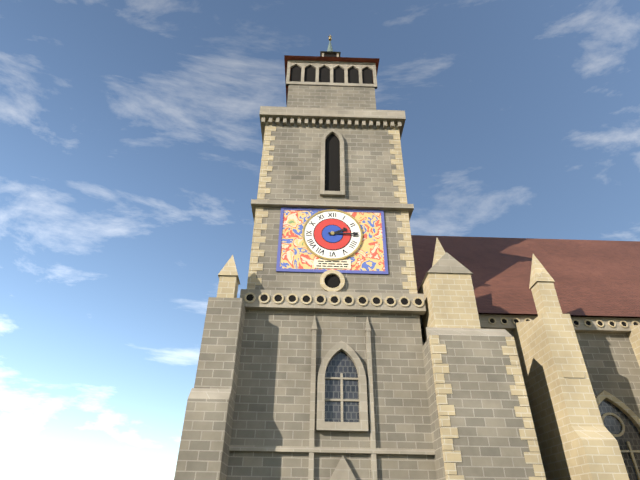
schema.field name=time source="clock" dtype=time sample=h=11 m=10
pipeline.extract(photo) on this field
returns h=2 m=15
